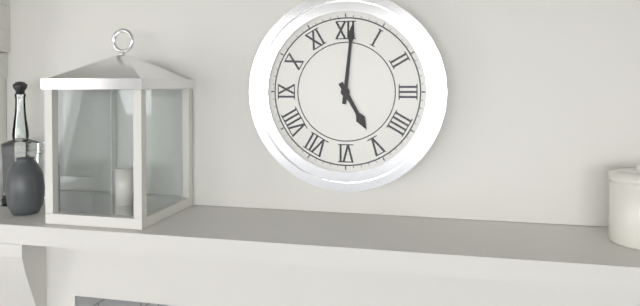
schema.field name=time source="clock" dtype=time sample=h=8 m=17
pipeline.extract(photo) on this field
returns h=5 m=1
